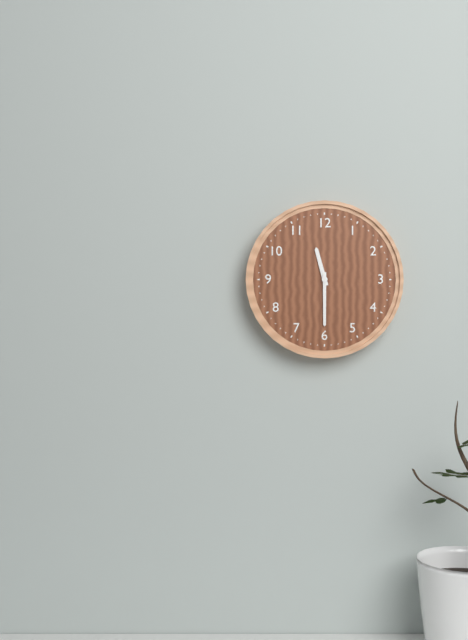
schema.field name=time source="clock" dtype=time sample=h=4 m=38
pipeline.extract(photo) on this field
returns h=11 m=30
